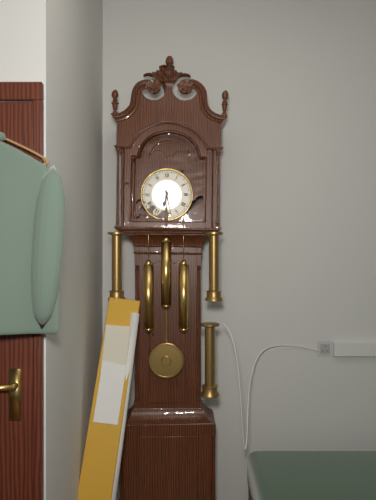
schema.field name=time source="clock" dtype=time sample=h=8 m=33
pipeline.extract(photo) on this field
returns h=6 m=28
